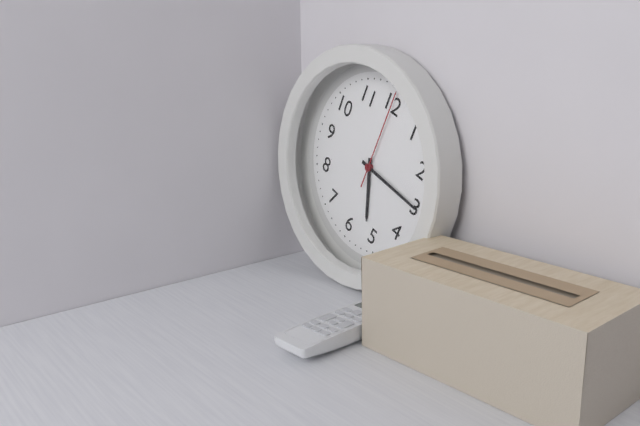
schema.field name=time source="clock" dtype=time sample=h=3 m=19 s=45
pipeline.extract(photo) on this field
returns h=5 m=15 s=0
